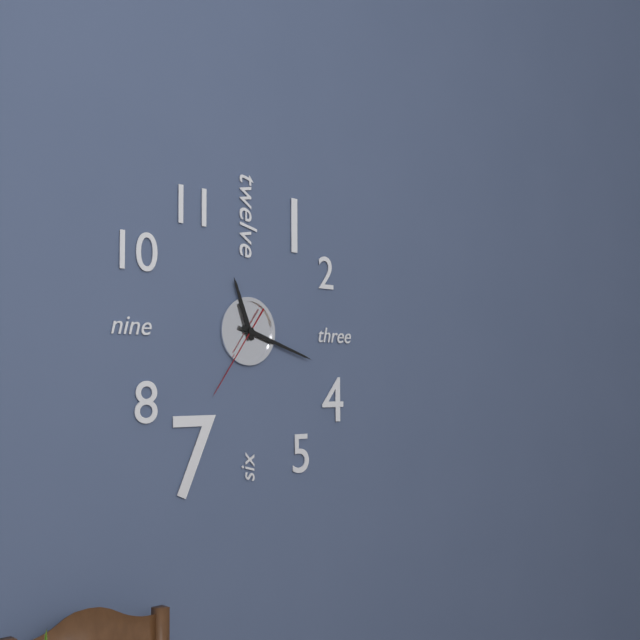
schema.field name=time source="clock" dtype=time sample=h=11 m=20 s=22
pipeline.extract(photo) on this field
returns h=11 m=18 s=36
